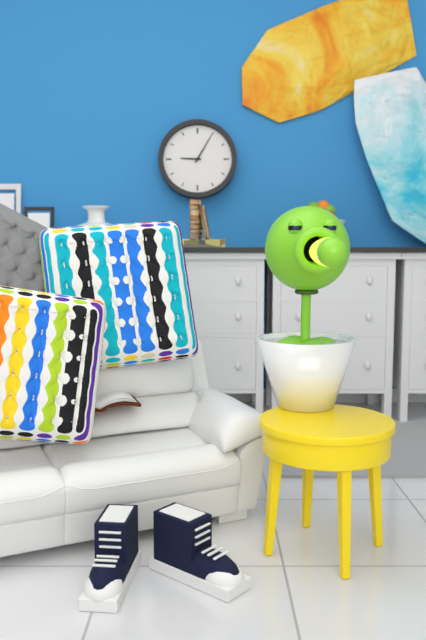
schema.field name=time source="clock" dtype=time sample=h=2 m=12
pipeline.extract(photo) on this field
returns h=9 m=5
